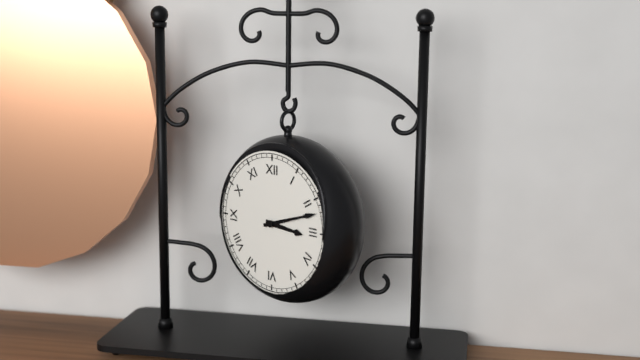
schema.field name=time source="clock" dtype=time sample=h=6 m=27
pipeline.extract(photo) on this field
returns h=3 m=12
